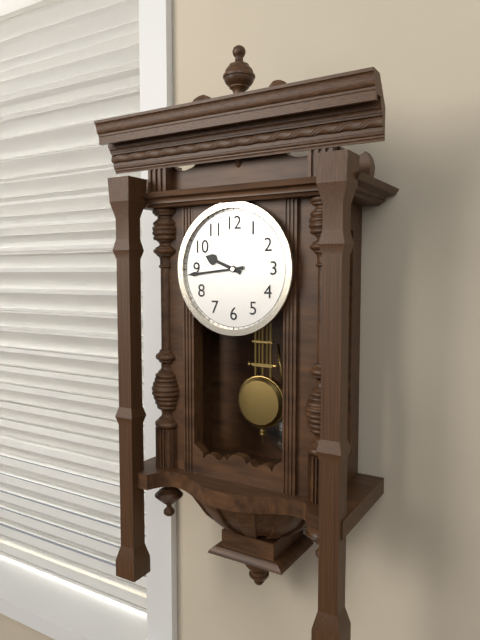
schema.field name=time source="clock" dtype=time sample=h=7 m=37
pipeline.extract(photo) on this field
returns h=9 m=44
